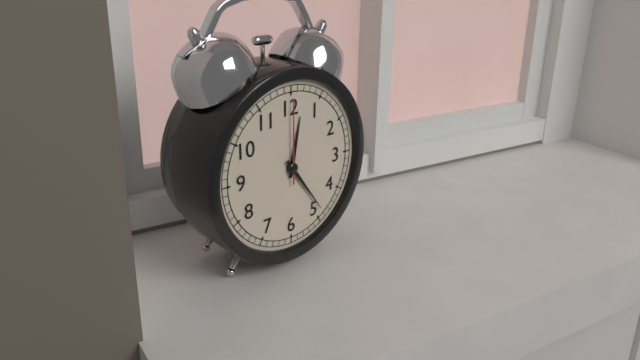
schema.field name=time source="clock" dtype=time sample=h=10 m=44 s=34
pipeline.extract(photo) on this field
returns h=12 m=24 s=0
